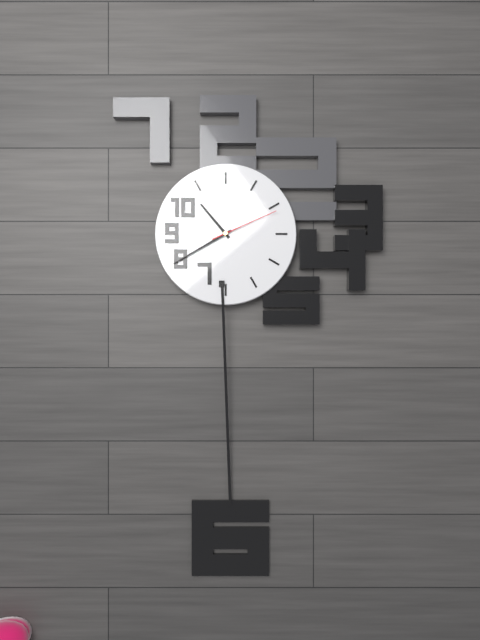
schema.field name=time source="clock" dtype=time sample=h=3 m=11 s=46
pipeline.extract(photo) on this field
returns h=10 m=40 s=11
